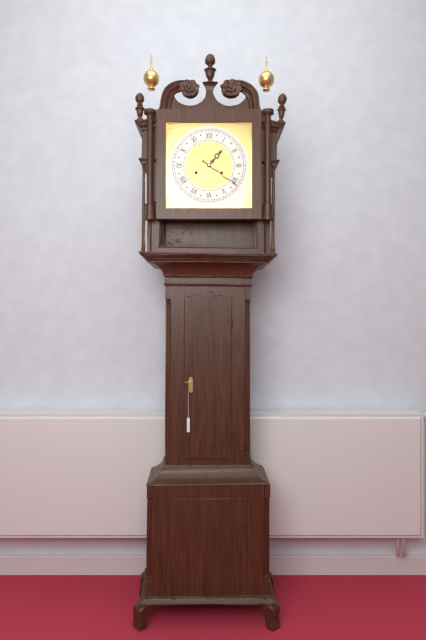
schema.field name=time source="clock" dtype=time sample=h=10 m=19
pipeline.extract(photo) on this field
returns h=1 m=21
